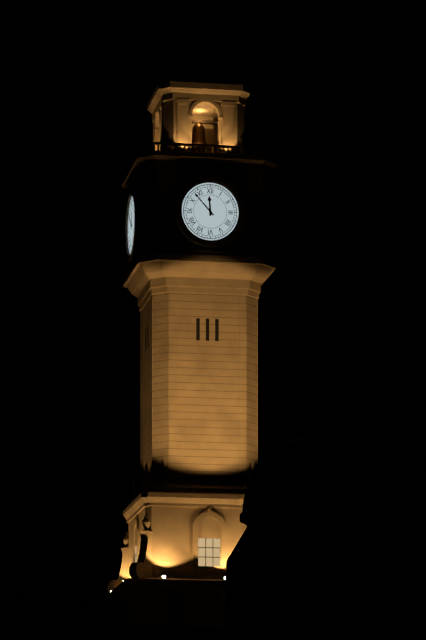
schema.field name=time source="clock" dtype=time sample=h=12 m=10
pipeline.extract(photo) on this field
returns h=11 m=53
